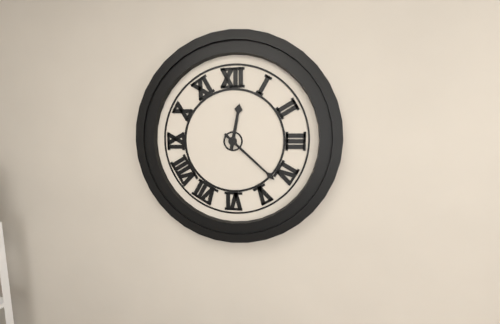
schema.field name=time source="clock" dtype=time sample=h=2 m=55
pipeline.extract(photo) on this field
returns h=12 m=22
